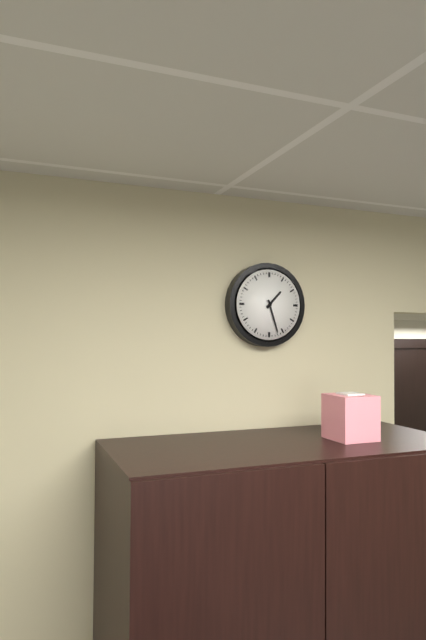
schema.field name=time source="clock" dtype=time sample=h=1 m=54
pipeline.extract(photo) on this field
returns h=1 m=27
